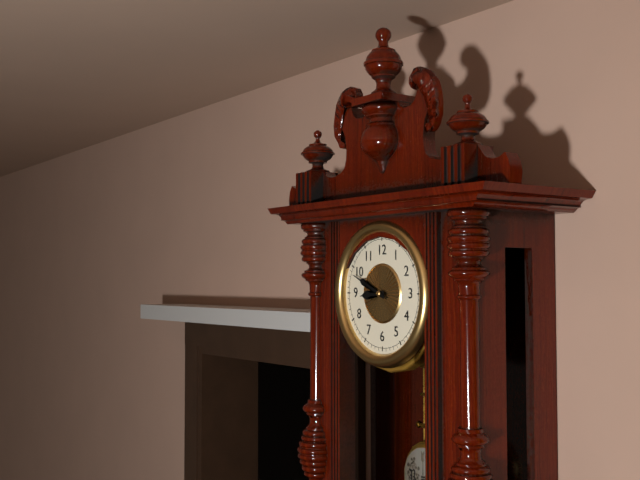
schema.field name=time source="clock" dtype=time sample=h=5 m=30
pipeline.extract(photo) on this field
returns h=8 m=49
